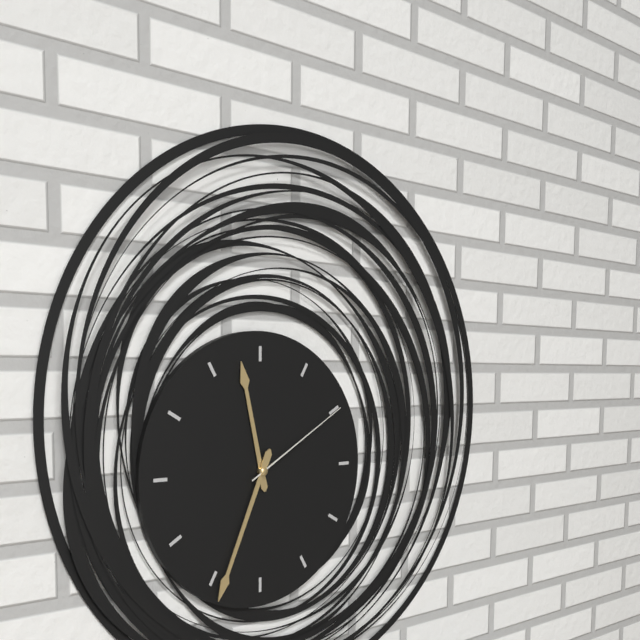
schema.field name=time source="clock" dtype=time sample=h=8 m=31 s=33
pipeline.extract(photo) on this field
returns h=11 m=34 s=10
